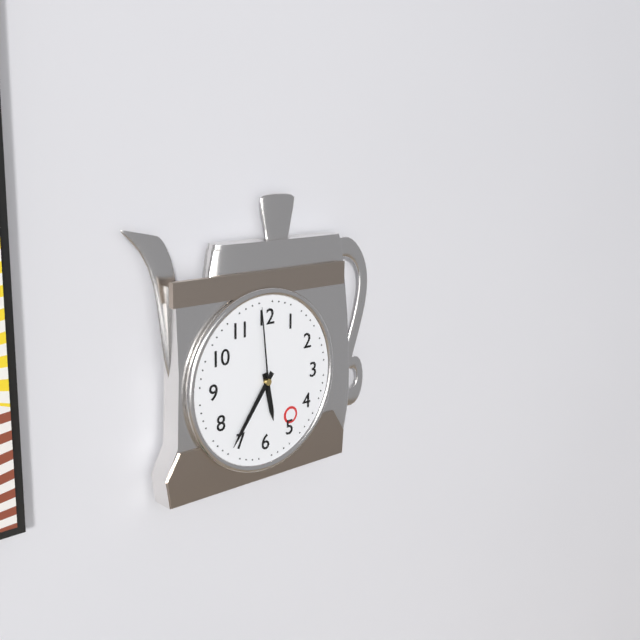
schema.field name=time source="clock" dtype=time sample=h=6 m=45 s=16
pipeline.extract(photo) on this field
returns h=5 m=36 s=59
